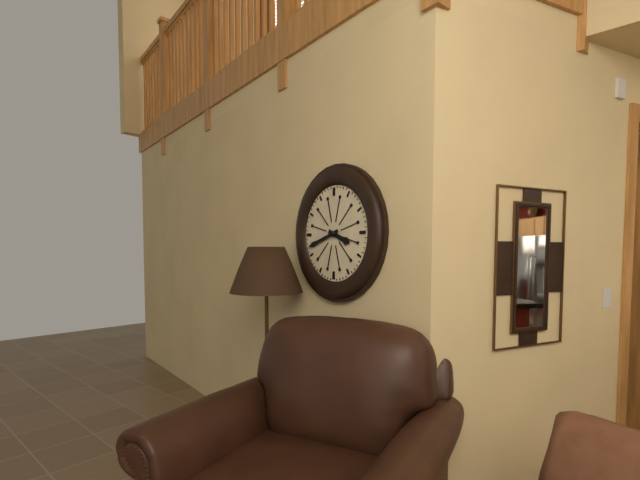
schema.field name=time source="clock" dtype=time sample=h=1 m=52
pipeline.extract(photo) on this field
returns h=3 m=42
